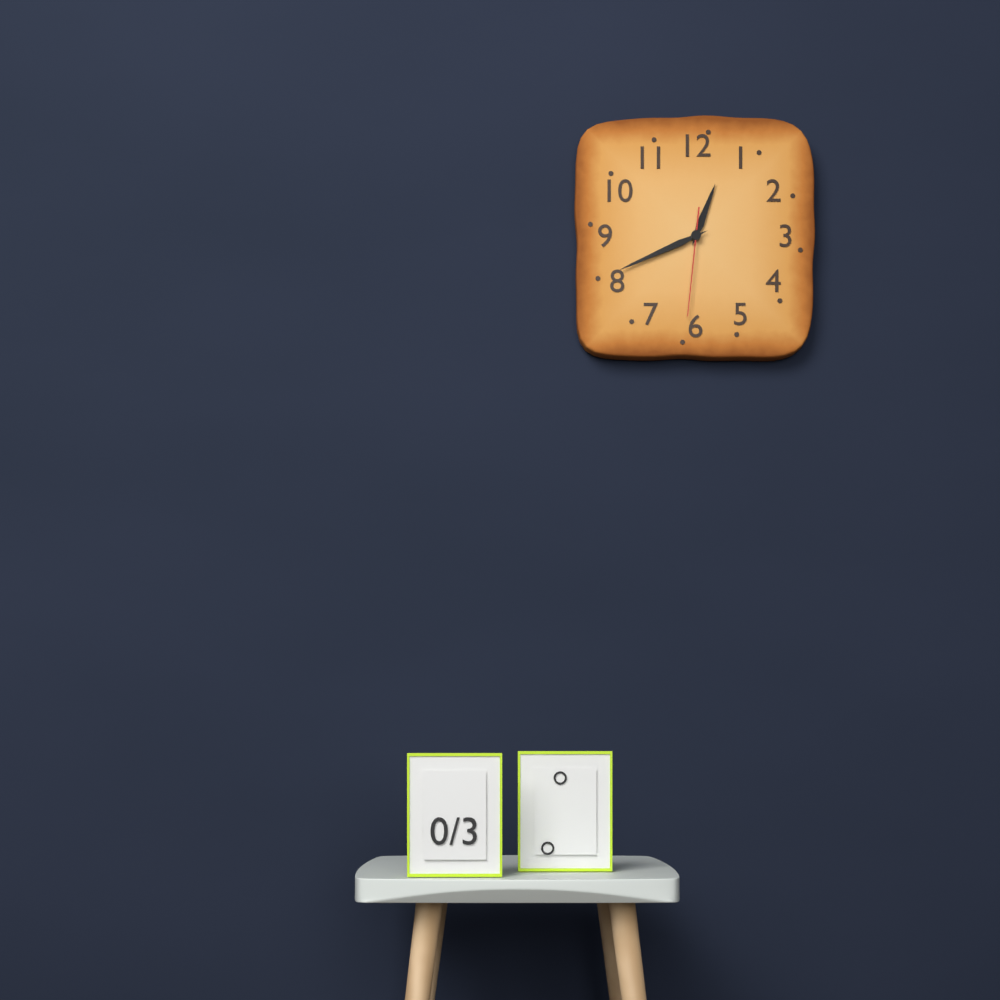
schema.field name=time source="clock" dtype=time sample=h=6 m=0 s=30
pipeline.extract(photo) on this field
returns h=12 m=41 s=31
